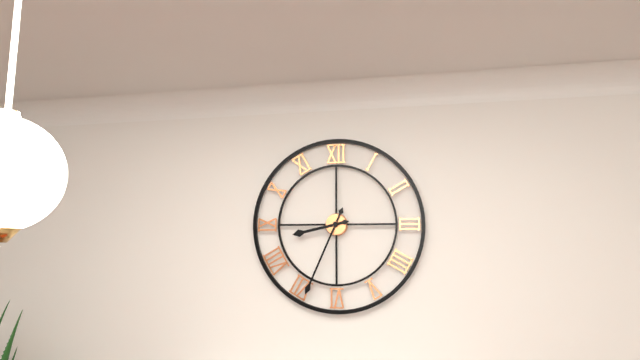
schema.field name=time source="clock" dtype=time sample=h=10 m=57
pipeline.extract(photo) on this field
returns h=8 m=34
